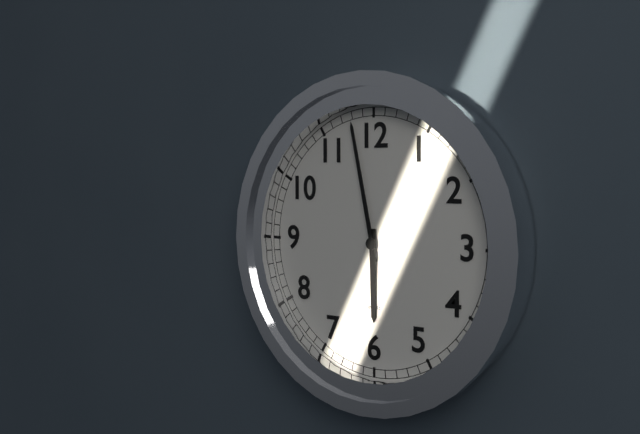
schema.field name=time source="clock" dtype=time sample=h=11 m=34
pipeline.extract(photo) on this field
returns h=5 m=58
